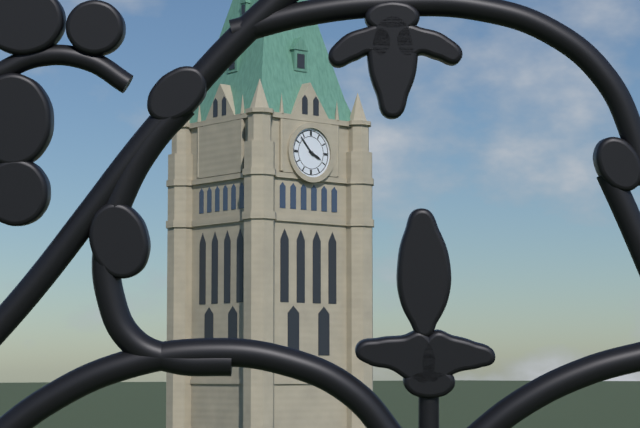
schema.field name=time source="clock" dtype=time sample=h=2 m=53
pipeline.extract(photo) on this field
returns h=3 m=53
